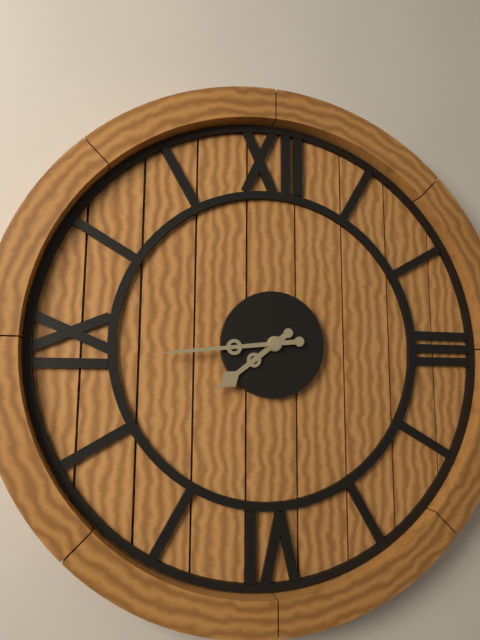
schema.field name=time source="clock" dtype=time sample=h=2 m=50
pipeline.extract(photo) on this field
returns h=7 m=44
